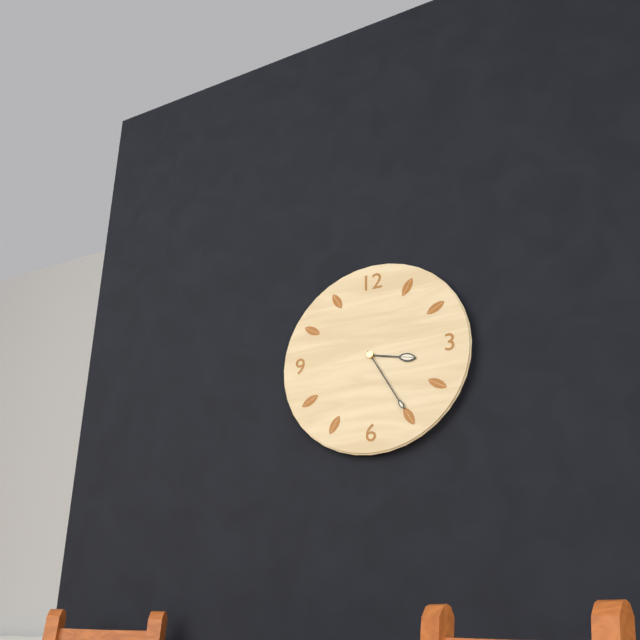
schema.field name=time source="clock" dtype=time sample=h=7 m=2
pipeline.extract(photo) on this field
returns h=3 m=25
